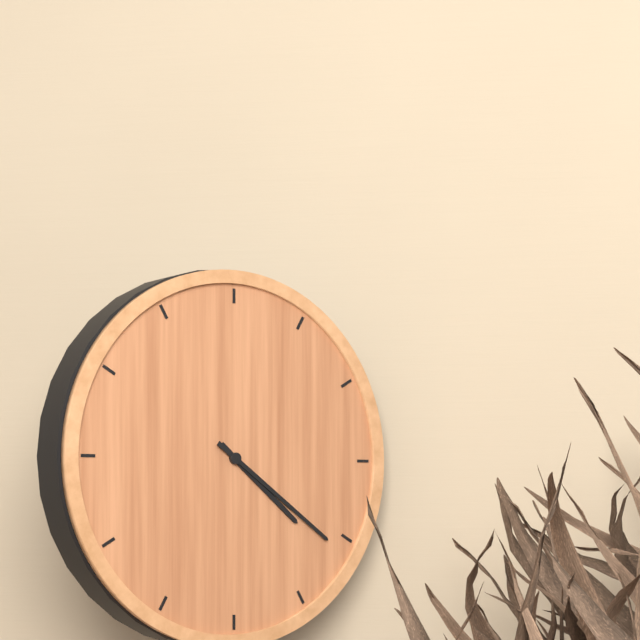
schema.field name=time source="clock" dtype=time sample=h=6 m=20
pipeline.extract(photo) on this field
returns h=4 m=21
